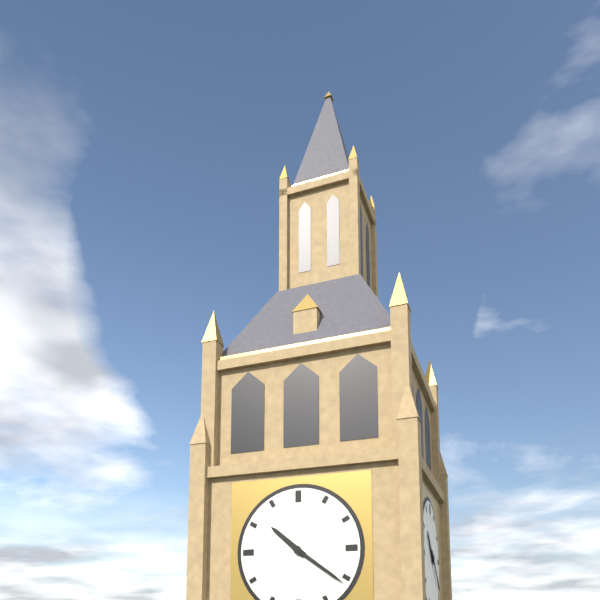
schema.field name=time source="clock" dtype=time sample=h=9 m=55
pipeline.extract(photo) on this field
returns h=10 m=21
